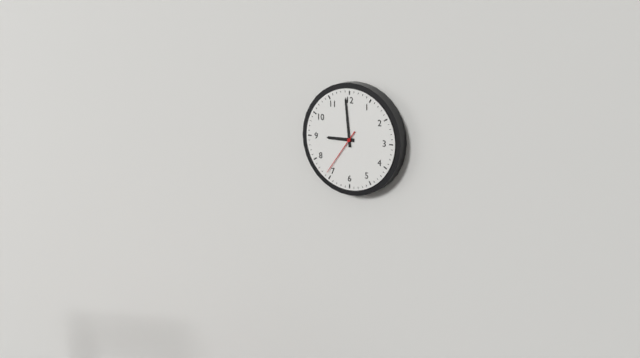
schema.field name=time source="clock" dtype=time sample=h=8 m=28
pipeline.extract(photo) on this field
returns h=8 m=59
